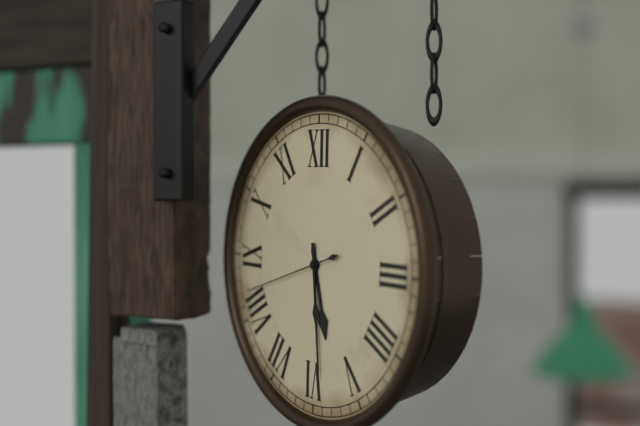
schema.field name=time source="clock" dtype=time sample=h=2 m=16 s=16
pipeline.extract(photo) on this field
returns h=5 m=29 s=42
